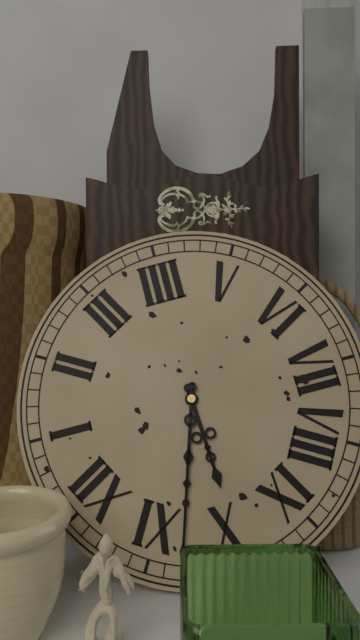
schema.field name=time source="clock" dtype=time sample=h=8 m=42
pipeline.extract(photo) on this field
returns h=9 m=53
